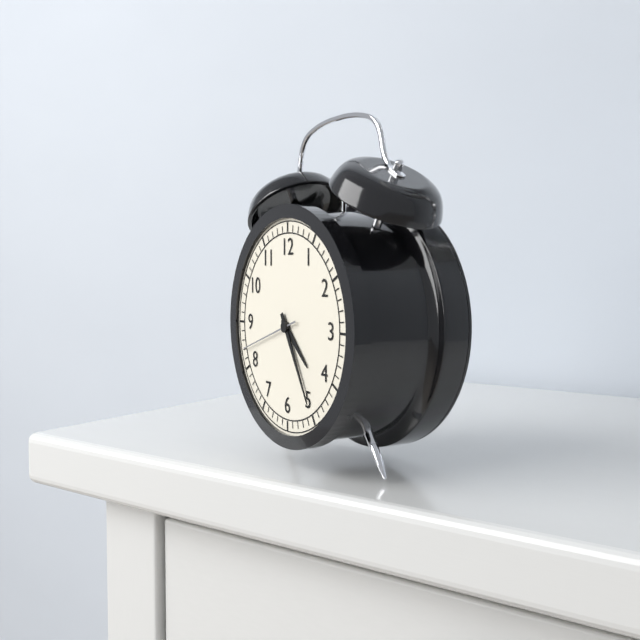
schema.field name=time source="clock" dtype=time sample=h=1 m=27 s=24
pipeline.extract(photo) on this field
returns h=4 m=25 s=42
